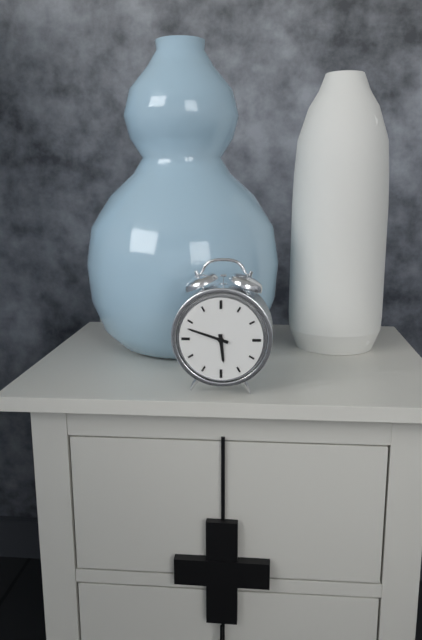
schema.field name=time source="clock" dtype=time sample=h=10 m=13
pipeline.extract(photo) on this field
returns h=5 m=48
